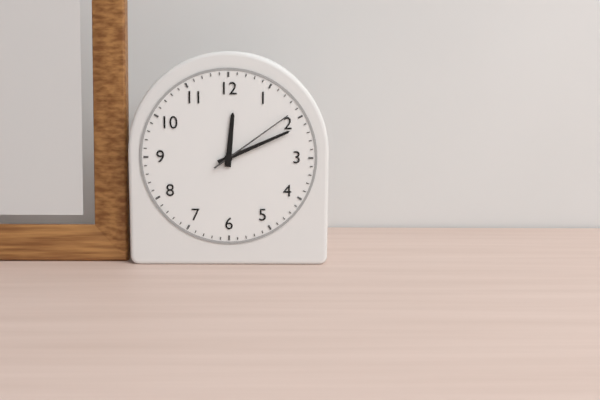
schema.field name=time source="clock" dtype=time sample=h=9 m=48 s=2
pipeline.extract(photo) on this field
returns h=12 m=11 s=9
